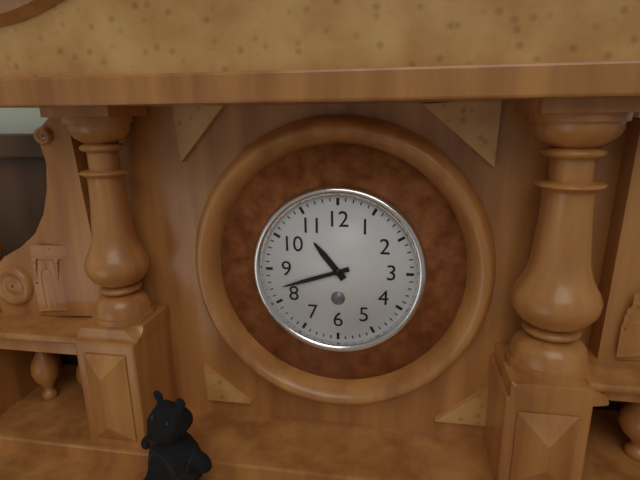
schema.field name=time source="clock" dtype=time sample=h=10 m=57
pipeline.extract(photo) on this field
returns h=10 m=42
